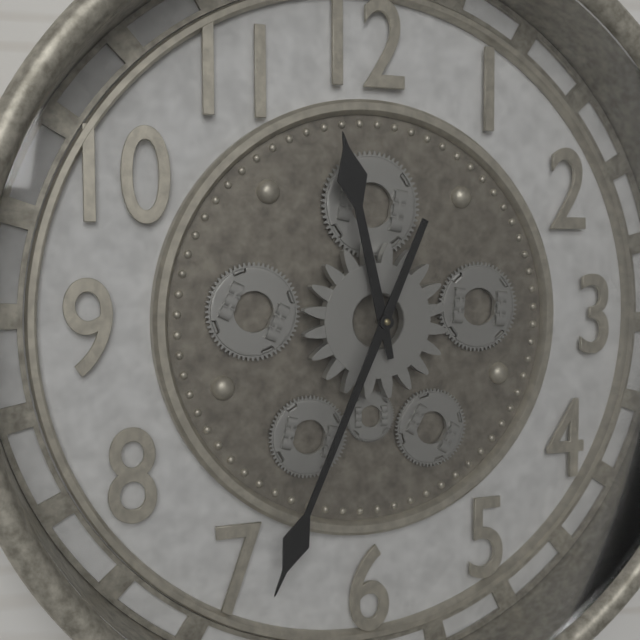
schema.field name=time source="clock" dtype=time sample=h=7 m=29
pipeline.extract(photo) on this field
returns h=11 m=34
